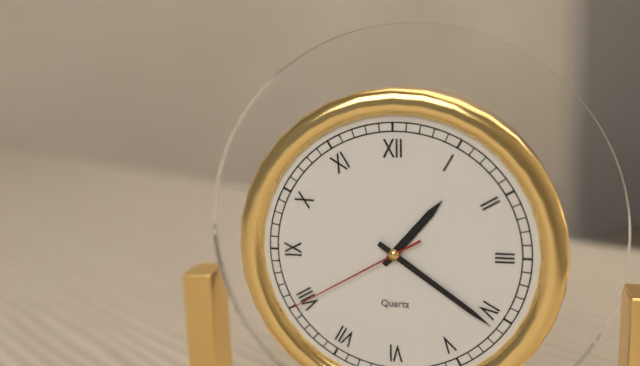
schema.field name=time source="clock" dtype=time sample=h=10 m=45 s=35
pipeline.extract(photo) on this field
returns h=1 m=21 s=40
